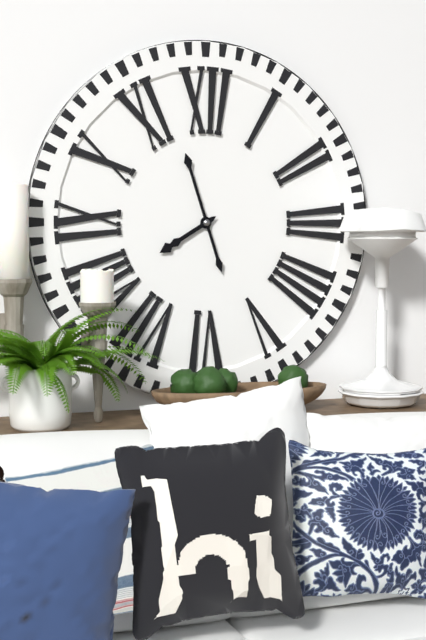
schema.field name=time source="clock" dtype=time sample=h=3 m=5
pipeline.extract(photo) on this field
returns h=7 m=57
